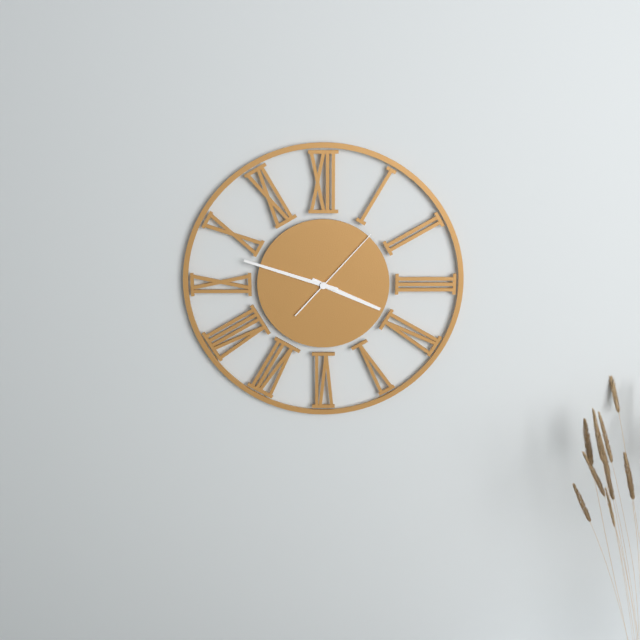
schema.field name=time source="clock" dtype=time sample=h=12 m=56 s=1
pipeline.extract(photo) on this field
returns h=3 m=48 s=7
